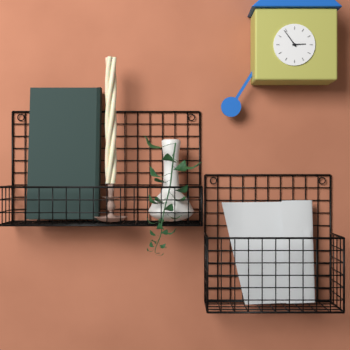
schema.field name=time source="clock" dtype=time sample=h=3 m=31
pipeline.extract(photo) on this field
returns h=2 m=54
